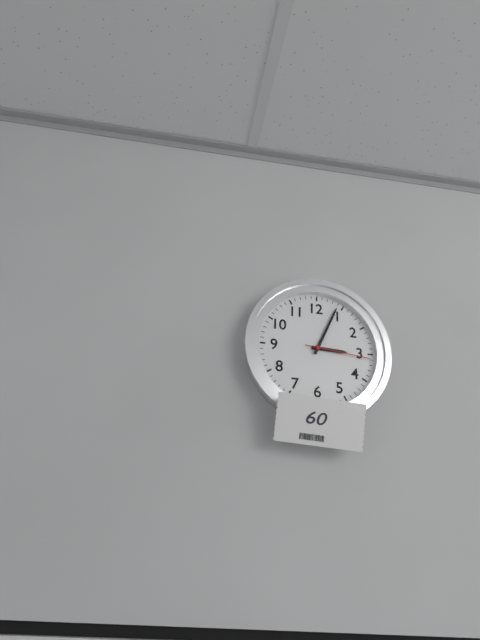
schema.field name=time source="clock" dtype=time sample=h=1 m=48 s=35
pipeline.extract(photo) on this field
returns h=3 m=4 s=16
